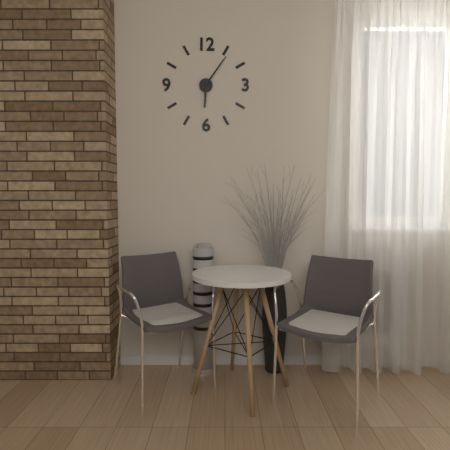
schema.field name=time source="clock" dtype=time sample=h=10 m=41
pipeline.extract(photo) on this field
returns h=6 m=6
